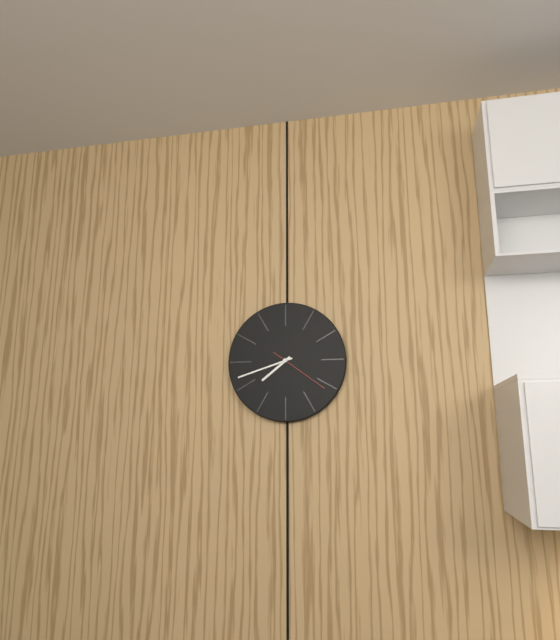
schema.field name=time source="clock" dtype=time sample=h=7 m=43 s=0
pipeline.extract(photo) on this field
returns h=7 m=42 s=21
